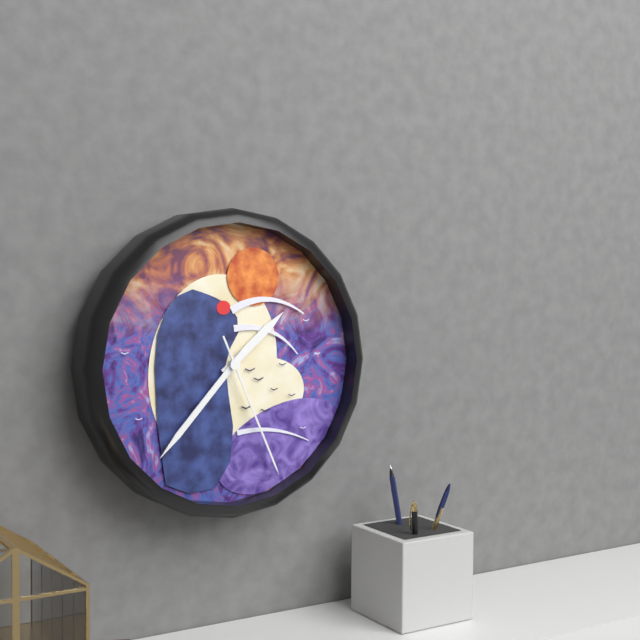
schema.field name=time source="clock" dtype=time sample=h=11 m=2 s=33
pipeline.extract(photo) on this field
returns h=1 m=37 s=26
